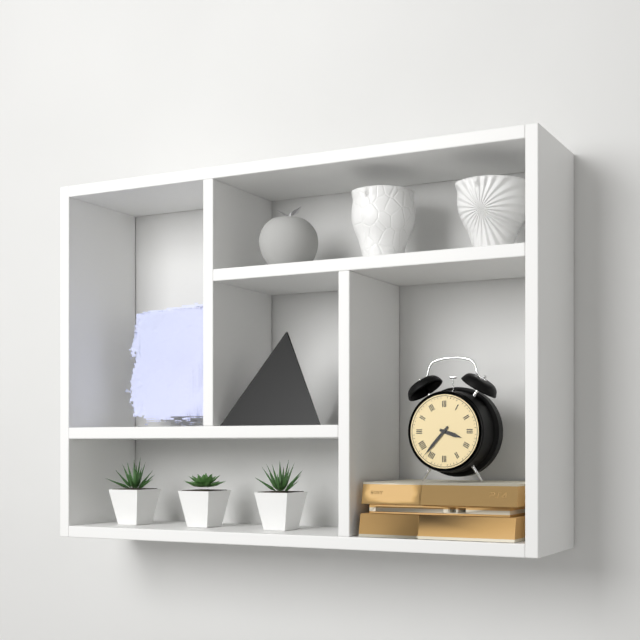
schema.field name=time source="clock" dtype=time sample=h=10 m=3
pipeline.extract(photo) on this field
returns h=3 m=37
